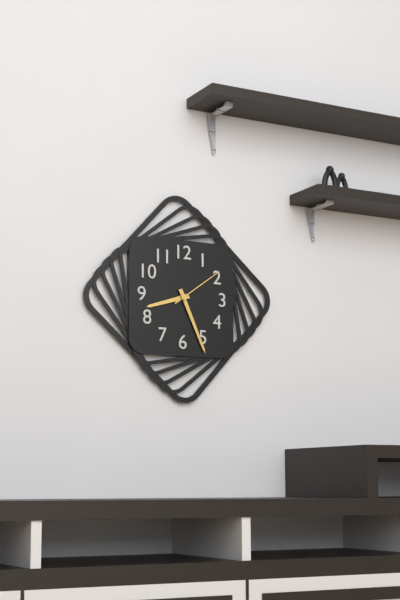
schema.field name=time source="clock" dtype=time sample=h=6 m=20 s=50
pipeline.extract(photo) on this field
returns h=8 m=26 s=9
